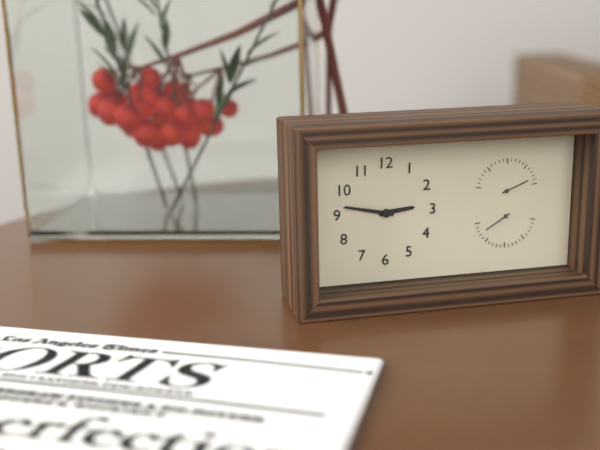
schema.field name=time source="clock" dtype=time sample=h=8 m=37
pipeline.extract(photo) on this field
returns h=2 m=47
